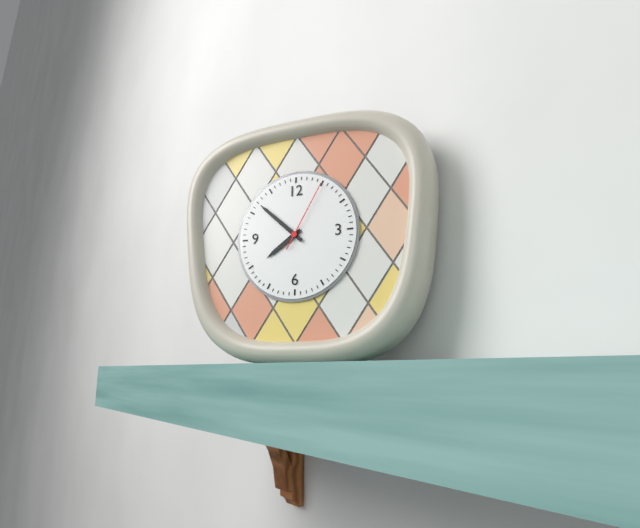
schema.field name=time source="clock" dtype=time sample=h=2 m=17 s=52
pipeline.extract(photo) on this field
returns h=7 m=52 s=5
